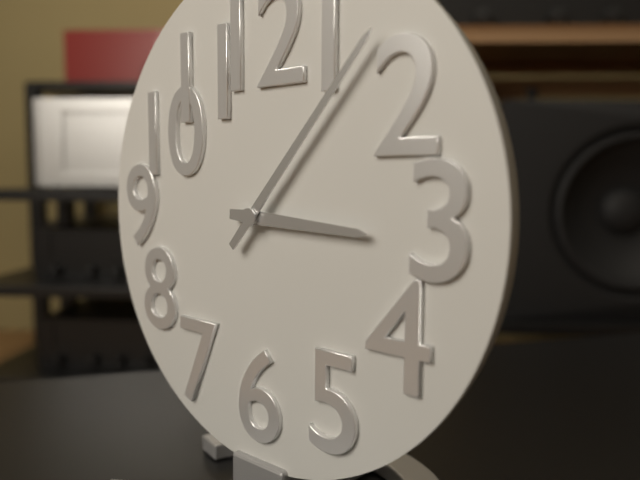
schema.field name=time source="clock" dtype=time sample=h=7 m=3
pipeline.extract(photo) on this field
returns h=3 m=7
